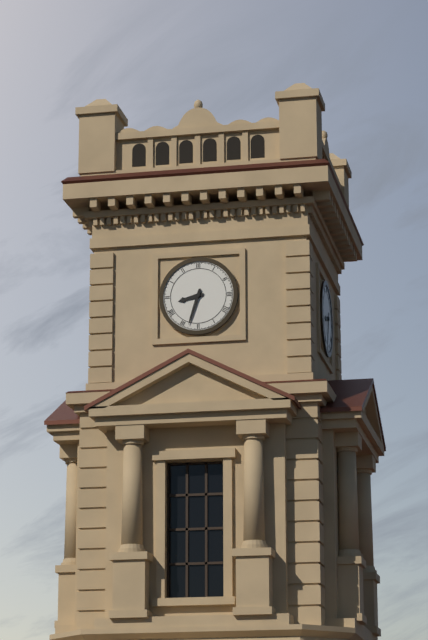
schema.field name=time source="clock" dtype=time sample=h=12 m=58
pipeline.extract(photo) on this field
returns h=8 m=33
